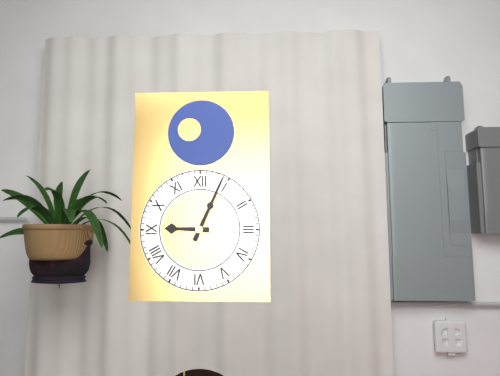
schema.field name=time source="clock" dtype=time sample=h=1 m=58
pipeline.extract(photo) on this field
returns h=9 m=4
